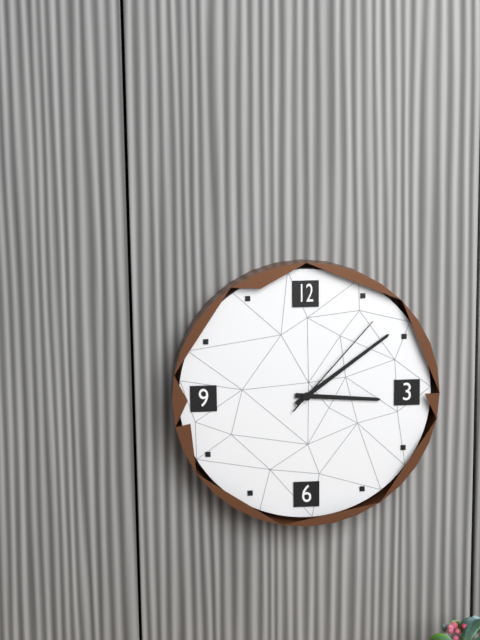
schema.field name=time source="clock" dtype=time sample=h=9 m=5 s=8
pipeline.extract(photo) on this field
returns h=3 m=9 s=7
